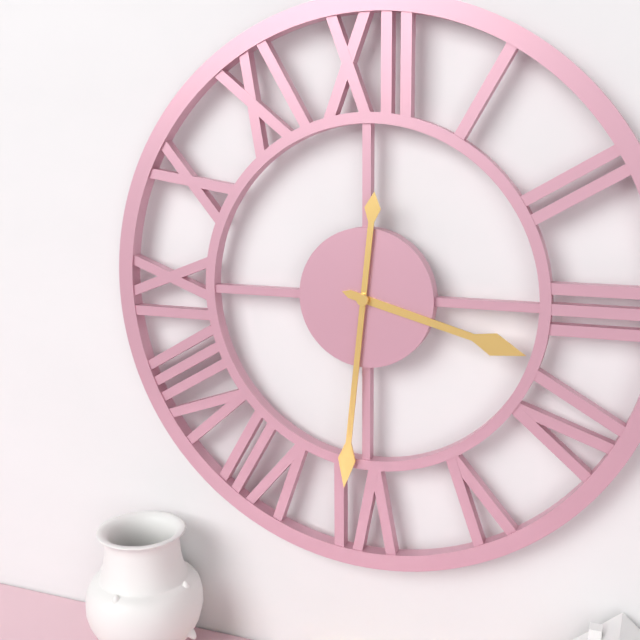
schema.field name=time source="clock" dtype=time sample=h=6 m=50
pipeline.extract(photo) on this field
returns h=3 m=31
